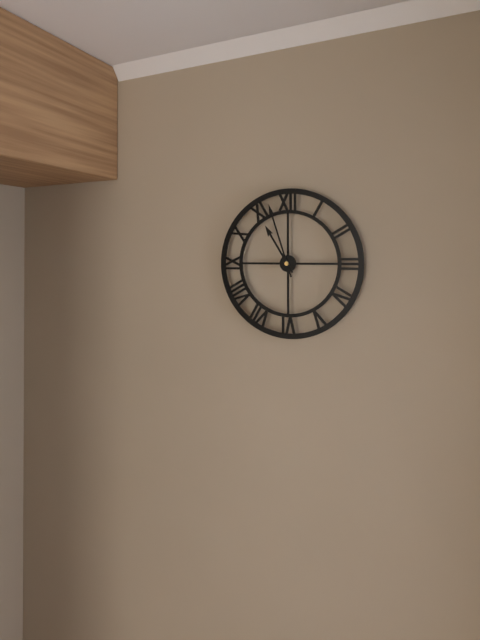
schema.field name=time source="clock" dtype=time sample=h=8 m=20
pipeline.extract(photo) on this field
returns h=10 m=57
